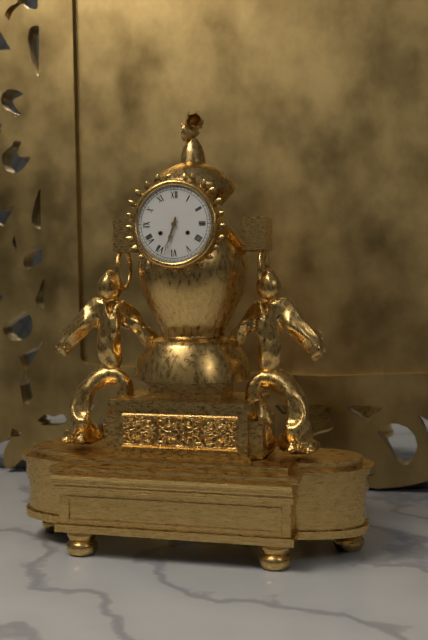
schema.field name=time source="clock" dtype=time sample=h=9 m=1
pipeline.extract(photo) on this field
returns h=6 m=33
